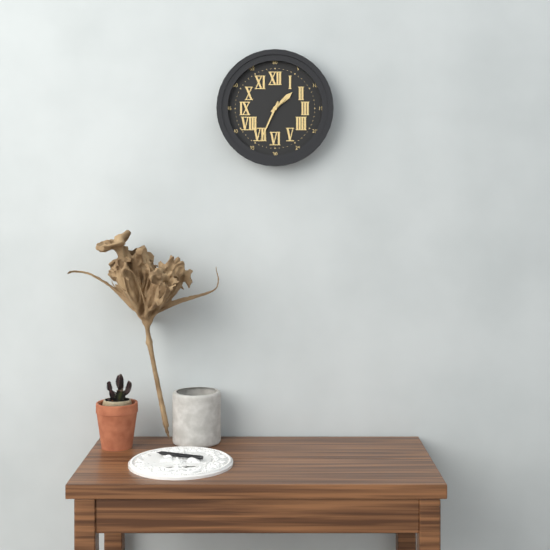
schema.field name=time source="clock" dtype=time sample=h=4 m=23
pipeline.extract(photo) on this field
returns h=1 m=34
